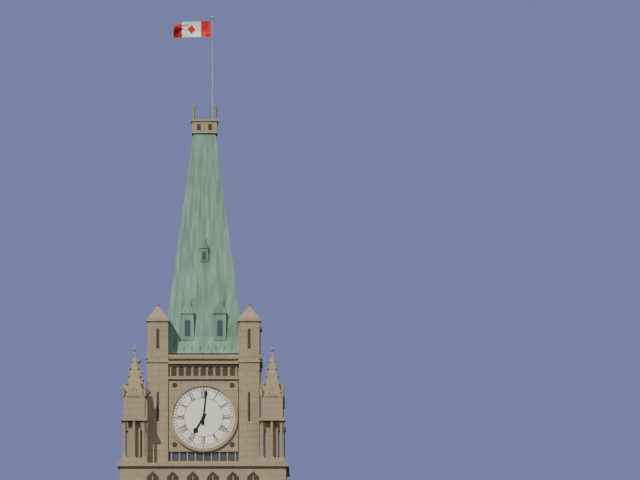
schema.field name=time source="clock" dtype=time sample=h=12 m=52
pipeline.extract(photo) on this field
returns h=7 m=1
